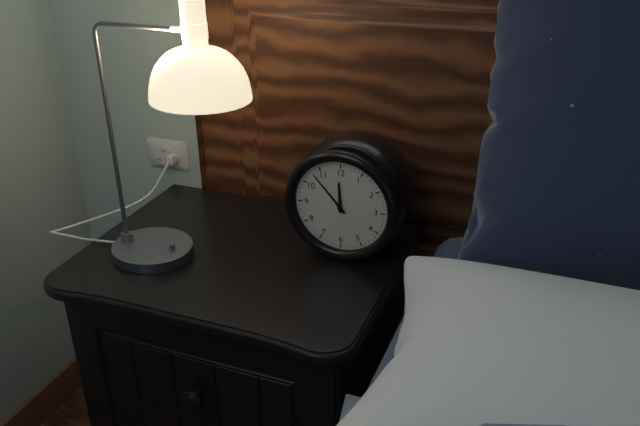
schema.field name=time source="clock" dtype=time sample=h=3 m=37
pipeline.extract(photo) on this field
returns h=11 m=53
